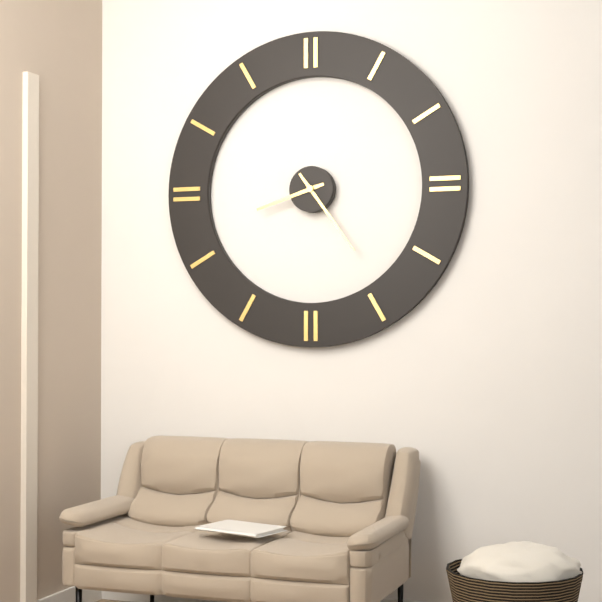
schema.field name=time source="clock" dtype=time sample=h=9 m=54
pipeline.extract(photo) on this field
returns h=8 m=24
